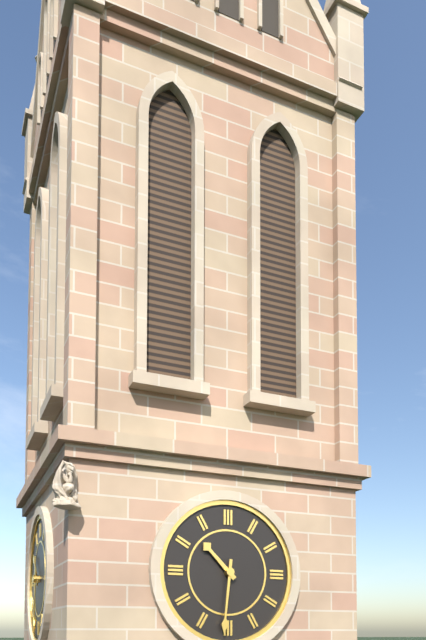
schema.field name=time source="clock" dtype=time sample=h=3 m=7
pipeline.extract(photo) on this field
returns h=10 m=31
